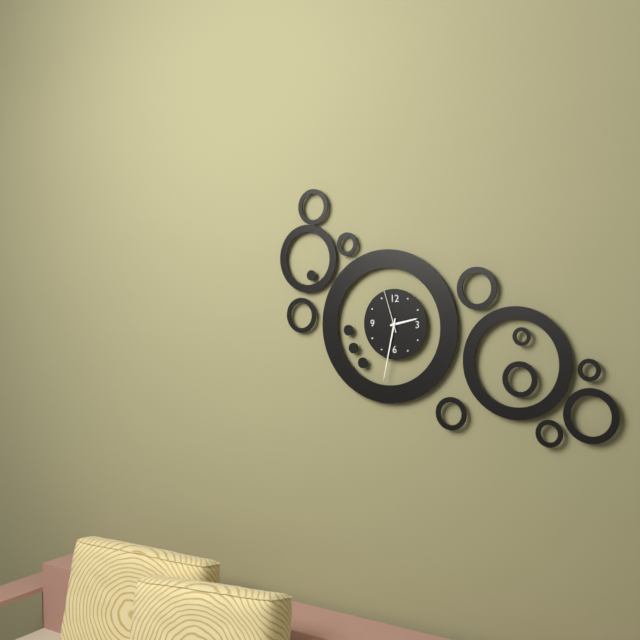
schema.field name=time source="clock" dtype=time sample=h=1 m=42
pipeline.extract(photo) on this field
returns h=2 m=32
